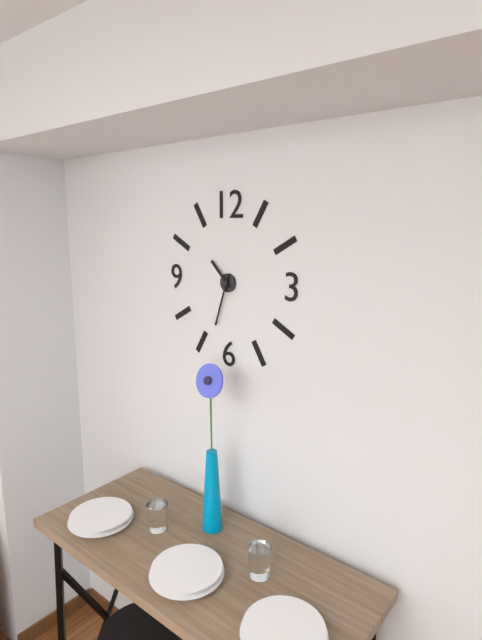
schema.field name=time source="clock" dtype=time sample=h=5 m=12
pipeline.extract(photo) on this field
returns h=10 m=33
